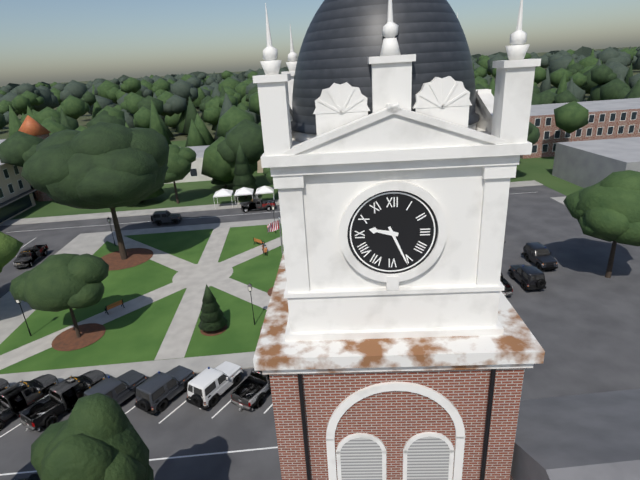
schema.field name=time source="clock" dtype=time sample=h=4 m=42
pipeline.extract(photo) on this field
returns h=9 m=26
